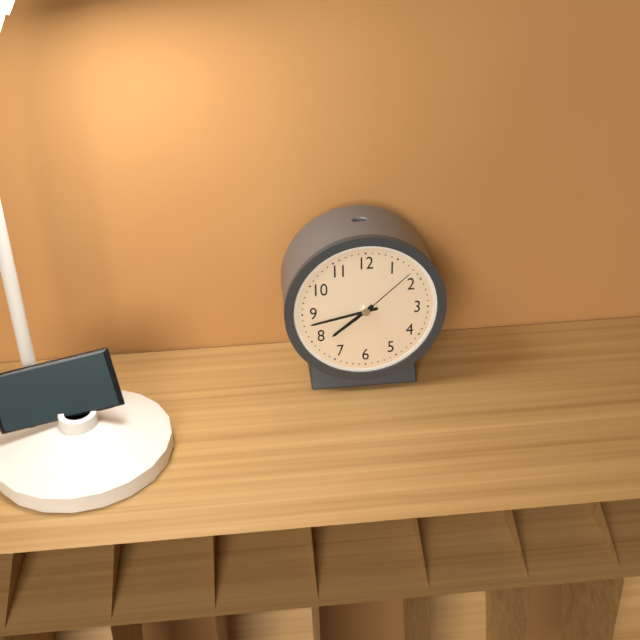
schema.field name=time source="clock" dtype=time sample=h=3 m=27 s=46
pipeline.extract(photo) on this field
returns h=7 m=43 s=8
